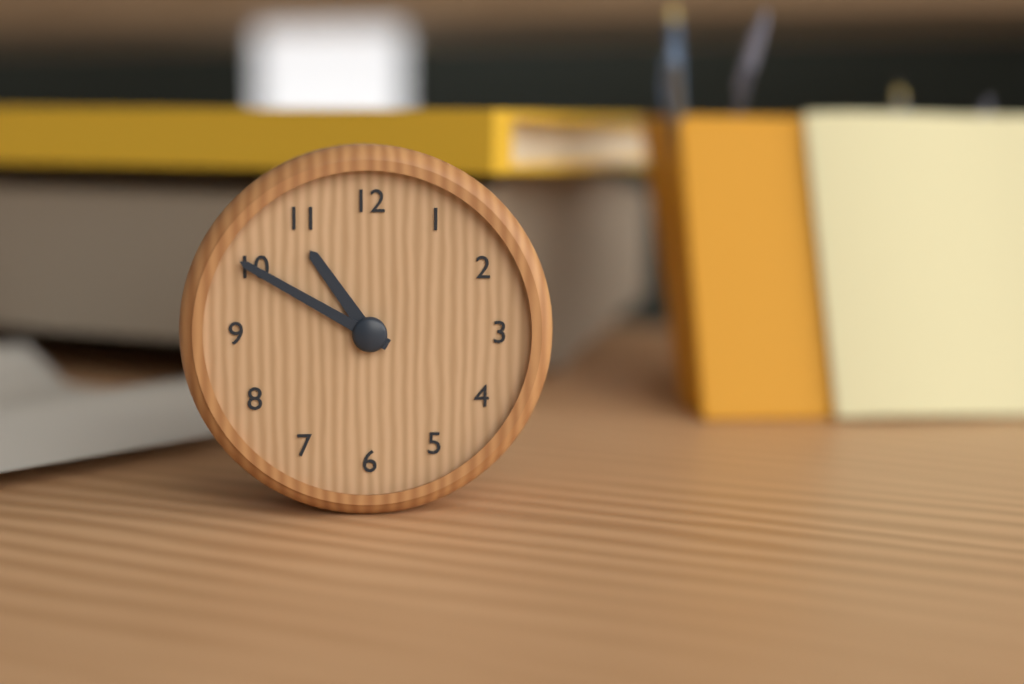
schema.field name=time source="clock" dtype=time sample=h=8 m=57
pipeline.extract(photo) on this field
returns h=10 m=50
